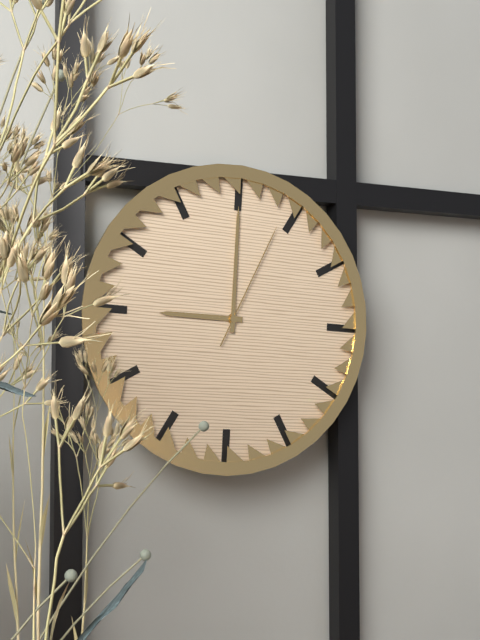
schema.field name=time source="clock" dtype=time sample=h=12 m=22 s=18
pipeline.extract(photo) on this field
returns h=9 m=0 s=4
